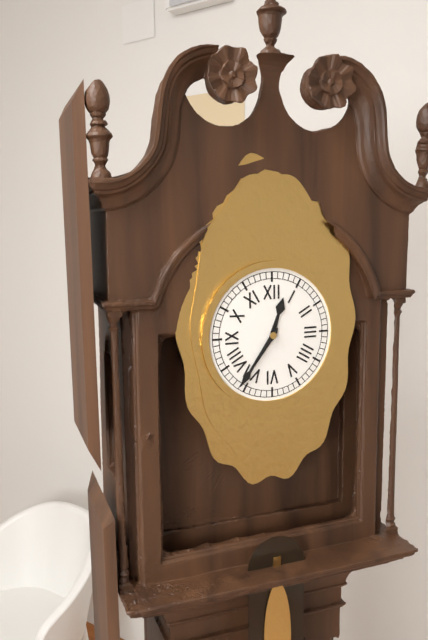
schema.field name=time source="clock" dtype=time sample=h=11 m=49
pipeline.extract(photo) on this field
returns h=12 m=36
